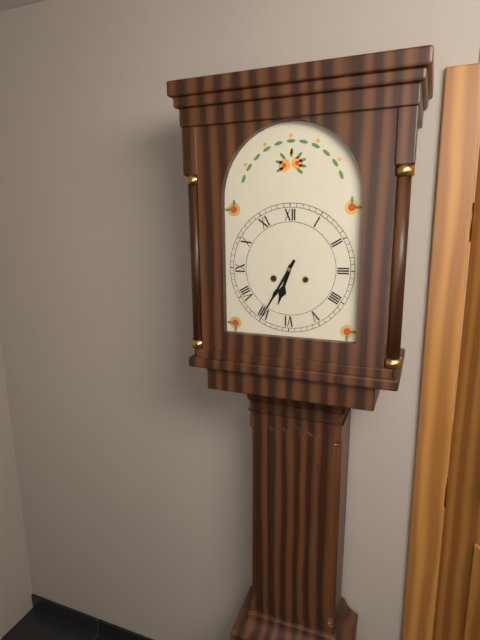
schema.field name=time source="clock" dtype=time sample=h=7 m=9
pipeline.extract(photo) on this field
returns h=6 m=35
